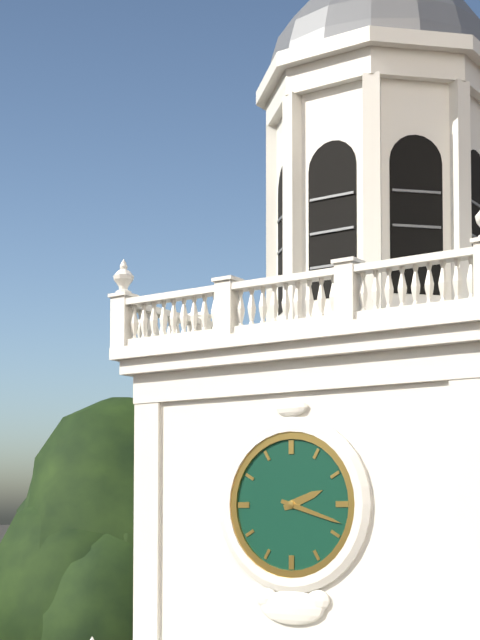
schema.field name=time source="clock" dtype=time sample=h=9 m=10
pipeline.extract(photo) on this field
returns h=2 m=18
